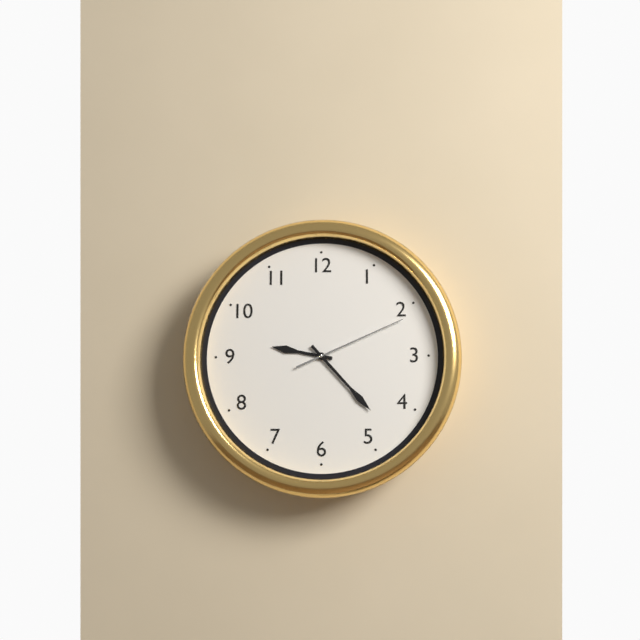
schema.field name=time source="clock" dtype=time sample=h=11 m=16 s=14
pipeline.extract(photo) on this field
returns h=9 m=23 s=11
